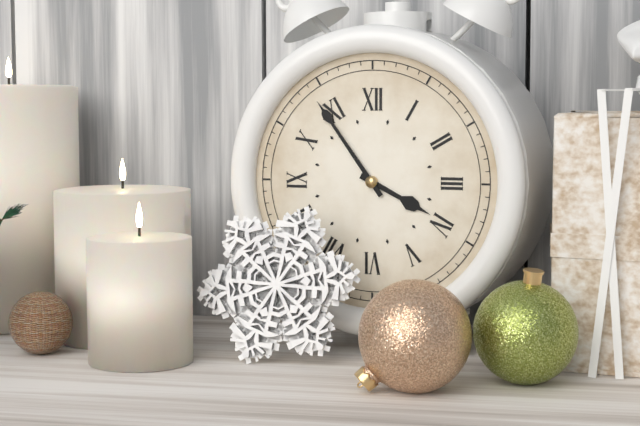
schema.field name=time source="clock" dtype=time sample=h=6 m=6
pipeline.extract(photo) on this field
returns h=3 m=54
